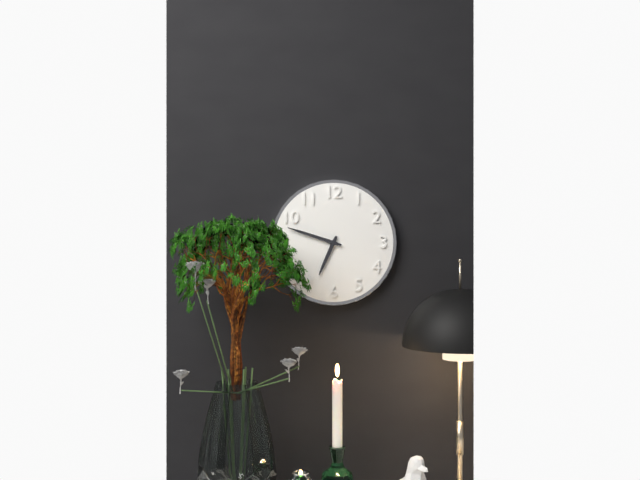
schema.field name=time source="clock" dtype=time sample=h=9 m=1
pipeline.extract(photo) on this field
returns h=6 m=48
